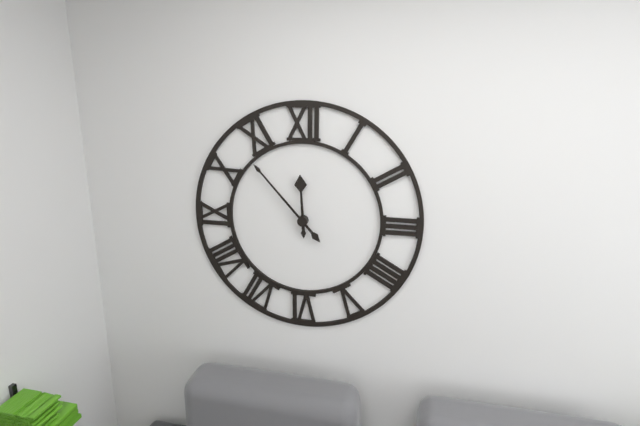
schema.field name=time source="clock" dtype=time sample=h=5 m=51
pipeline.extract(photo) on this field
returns h=11 m=53
